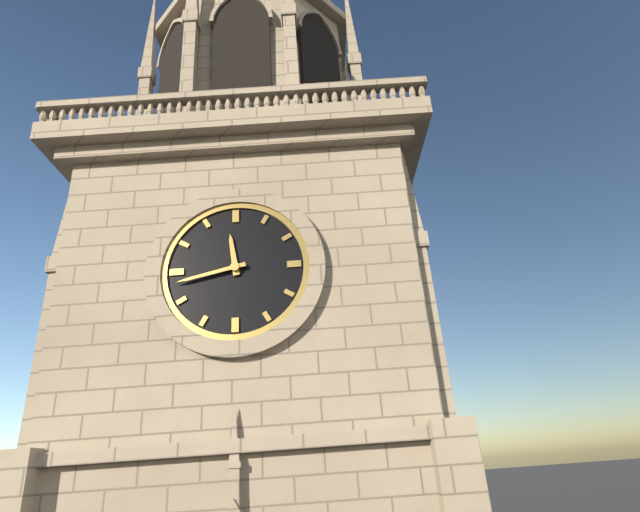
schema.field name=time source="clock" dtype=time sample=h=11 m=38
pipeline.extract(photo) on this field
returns h=11 m=43
